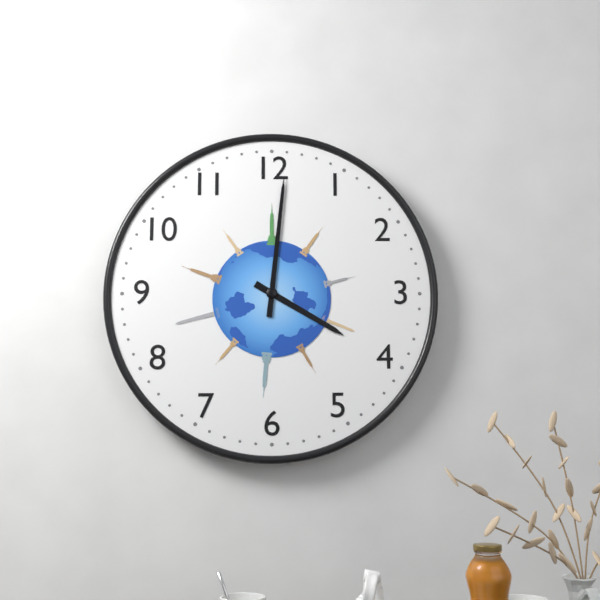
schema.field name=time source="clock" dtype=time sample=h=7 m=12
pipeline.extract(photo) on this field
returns h=4 m=1
